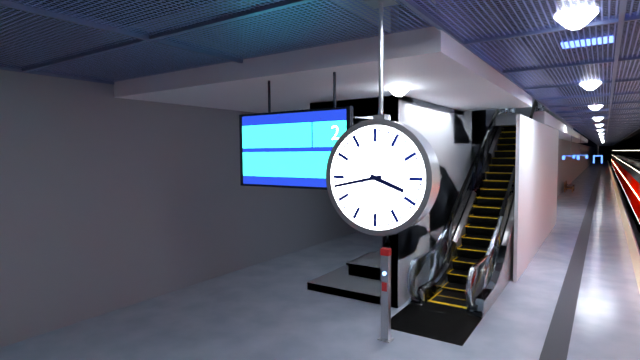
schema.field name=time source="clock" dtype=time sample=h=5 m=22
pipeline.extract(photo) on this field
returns h=3 m=43
